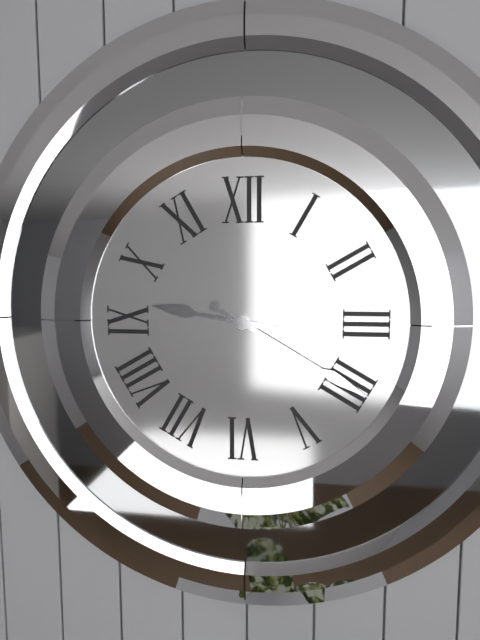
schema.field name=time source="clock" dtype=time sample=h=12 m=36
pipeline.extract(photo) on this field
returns h=9 m=20
